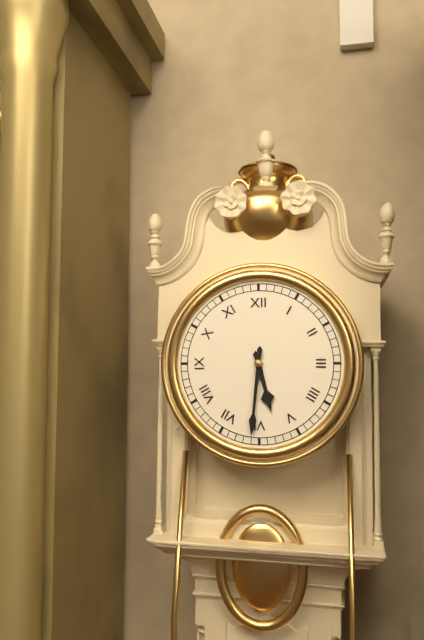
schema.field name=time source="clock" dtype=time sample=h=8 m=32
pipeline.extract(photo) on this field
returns h=5 m=31
